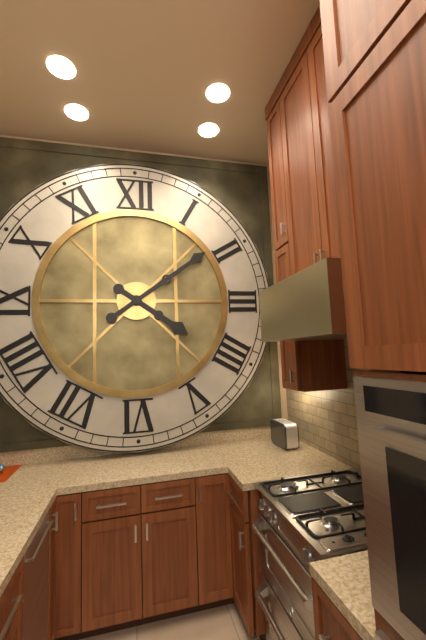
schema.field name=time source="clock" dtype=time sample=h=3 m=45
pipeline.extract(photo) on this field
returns h=4 m=9
